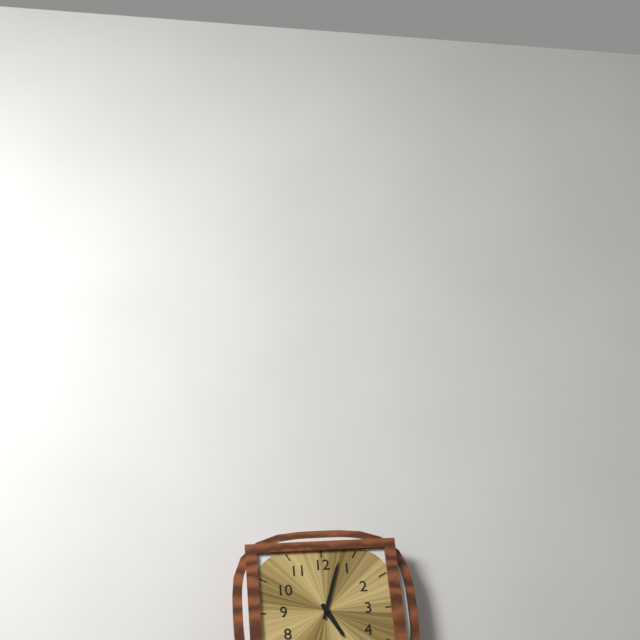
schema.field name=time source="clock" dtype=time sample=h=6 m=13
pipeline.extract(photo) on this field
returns h=5 m=3
